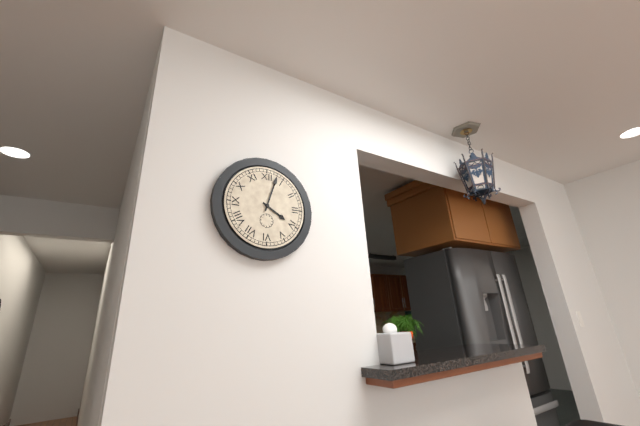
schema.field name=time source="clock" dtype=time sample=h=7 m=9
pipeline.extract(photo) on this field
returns h=4 m=3
